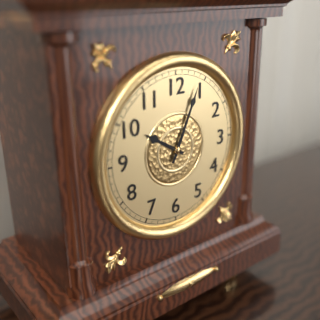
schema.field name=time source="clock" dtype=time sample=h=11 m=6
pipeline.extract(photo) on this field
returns h=10 m=4
